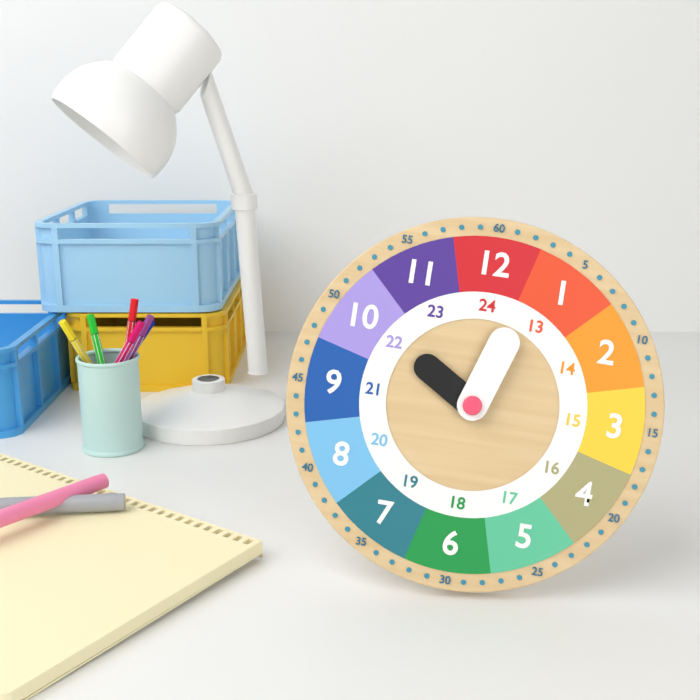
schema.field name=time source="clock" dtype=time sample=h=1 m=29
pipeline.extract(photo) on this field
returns h=10 m=3
